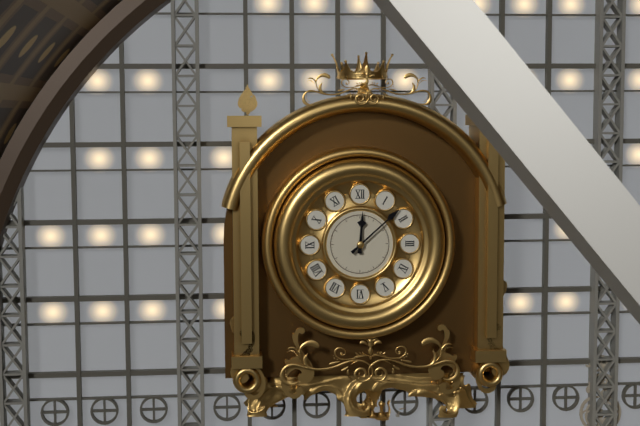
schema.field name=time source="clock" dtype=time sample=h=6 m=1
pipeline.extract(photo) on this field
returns h=12 m=8
